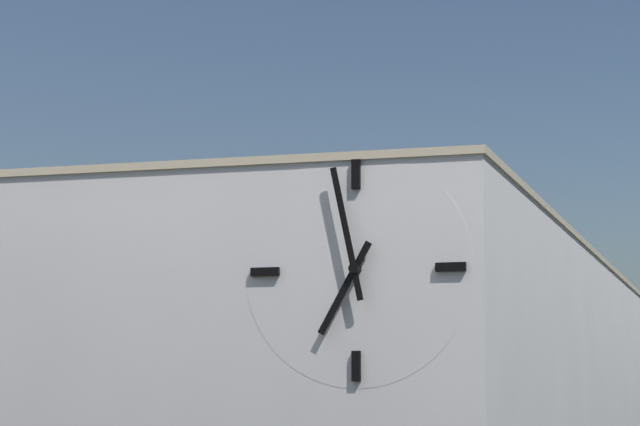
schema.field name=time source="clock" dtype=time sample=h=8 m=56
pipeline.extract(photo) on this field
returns h=6 m=58
